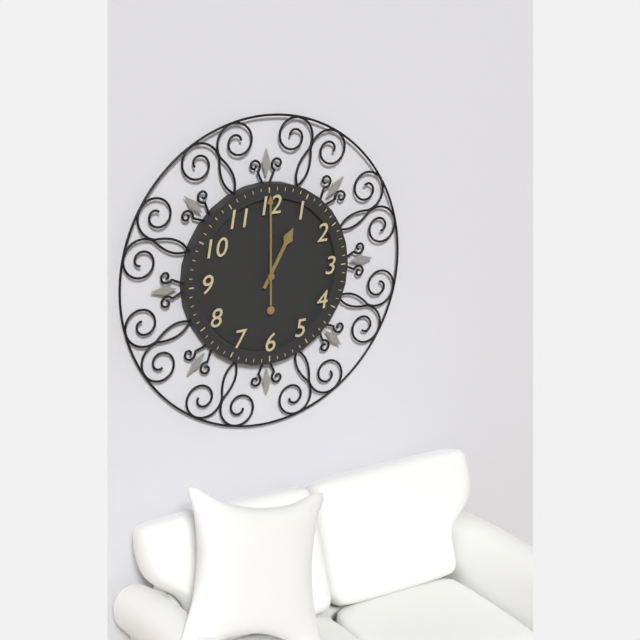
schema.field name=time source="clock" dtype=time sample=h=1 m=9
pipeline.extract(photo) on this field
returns h=1 m=0
